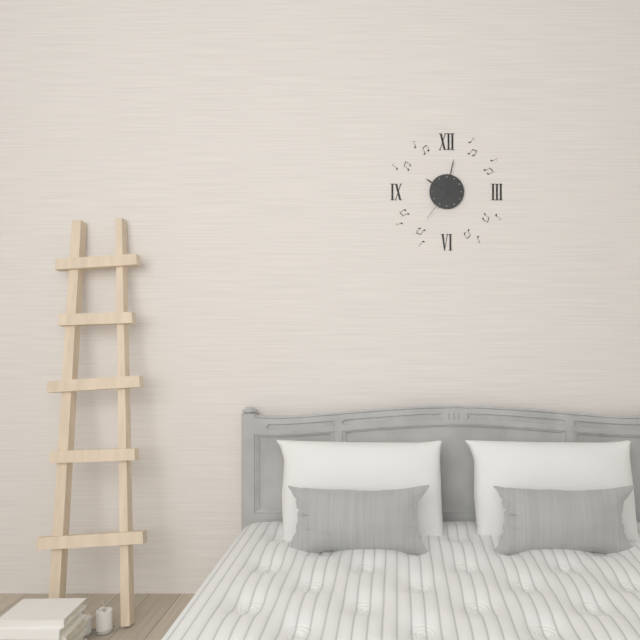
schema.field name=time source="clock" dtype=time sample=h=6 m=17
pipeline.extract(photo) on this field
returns h=10 m=2
